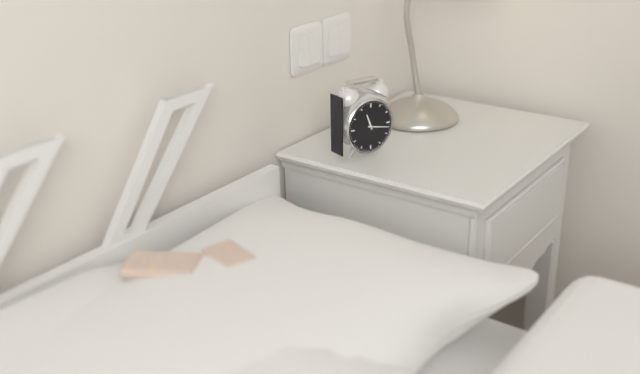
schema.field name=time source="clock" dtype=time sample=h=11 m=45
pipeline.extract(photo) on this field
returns h=11 m=17
